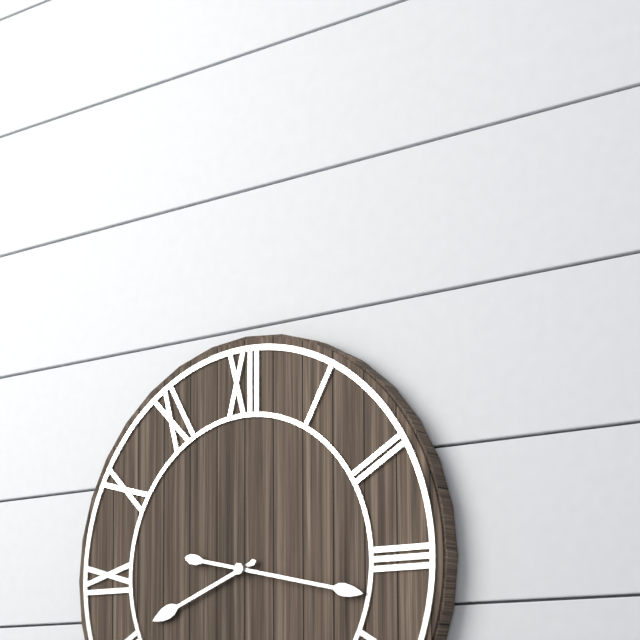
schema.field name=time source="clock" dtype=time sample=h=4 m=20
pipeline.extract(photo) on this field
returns h=8 m=17
